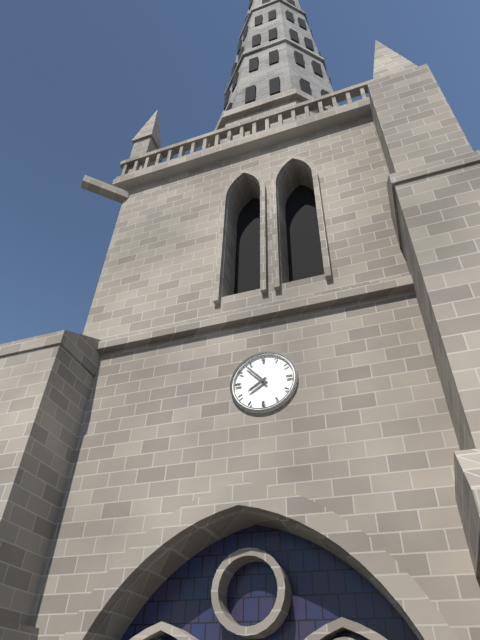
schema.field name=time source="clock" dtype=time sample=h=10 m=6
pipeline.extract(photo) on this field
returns h=7 m=53
